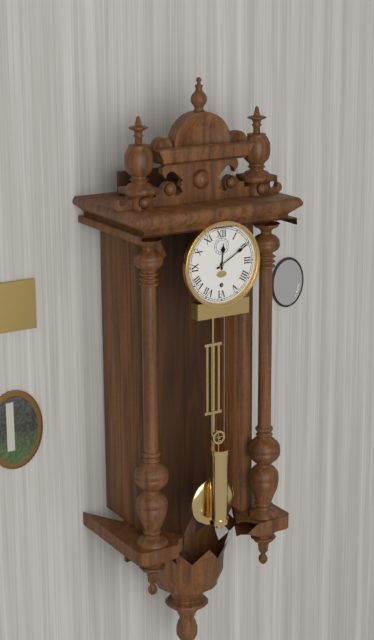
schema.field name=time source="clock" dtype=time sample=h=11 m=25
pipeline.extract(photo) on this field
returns h=12 m=10
